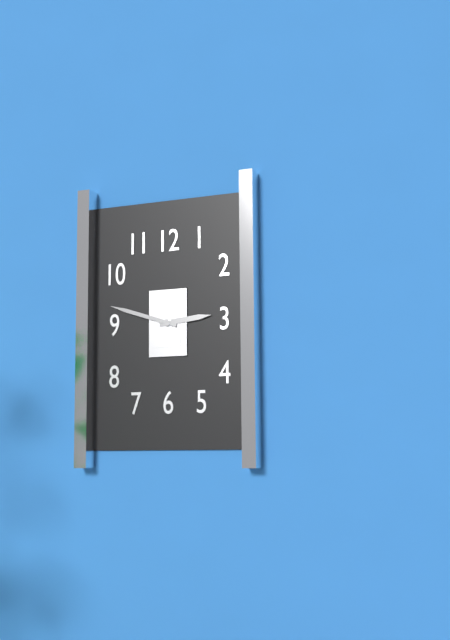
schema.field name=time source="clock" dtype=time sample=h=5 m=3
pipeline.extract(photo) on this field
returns h=2 m=48
